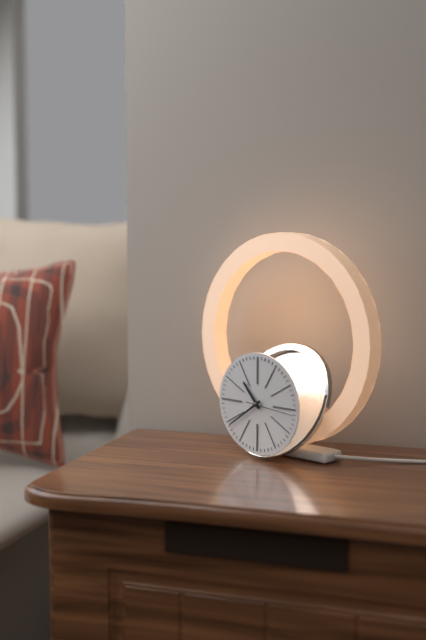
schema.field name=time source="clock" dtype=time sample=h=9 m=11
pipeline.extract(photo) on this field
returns h=10 m=39
